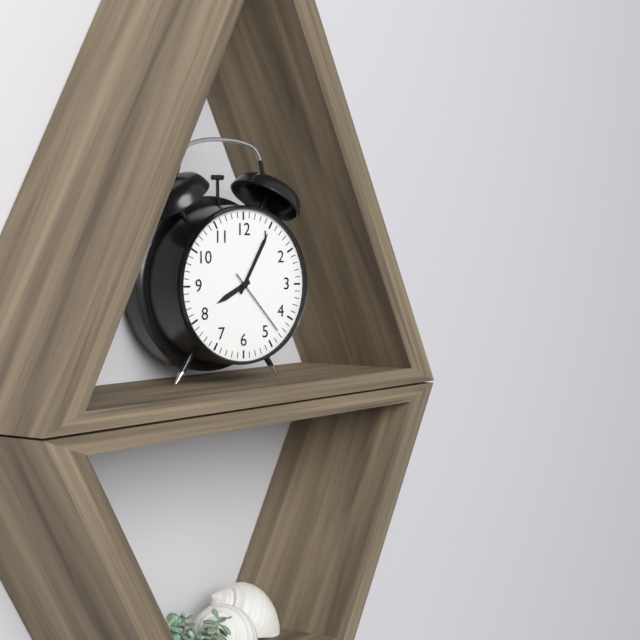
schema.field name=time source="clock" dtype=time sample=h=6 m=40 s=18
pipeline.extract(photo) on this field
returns h=8 m=5 s=23
